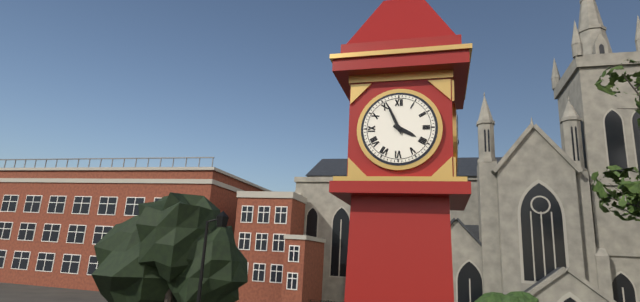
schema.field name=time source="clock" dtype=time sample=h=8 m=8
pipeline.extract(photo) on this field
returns h=3 m=56
